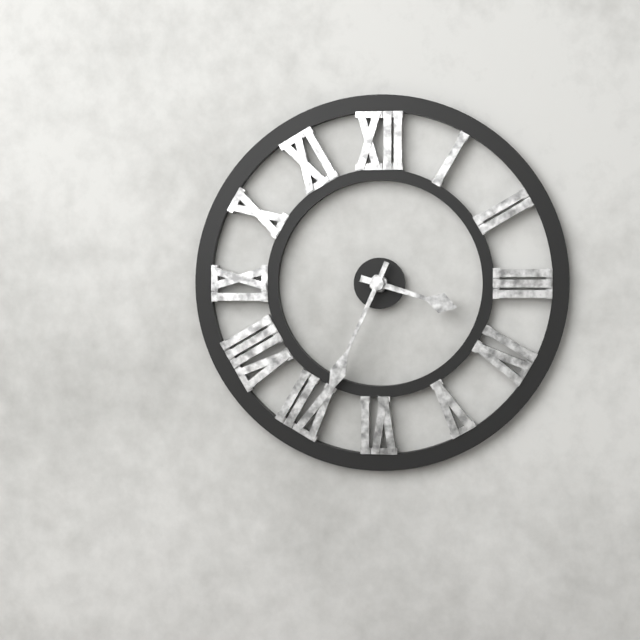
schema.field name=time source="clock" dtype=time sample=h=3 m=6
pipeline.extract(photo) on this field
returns h=3 m=34
